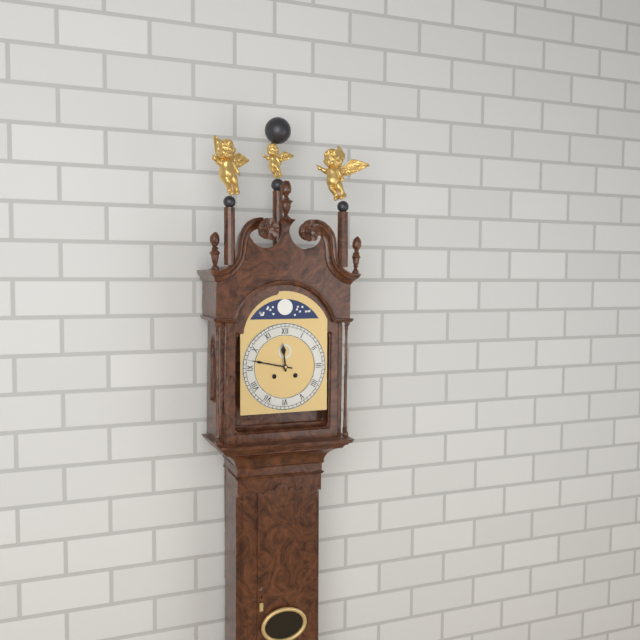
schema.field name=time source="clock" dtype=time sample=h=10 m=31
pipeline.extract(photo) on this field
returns h=11 m=47
